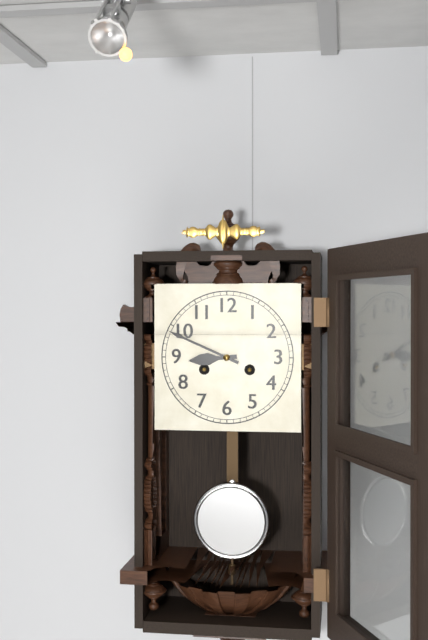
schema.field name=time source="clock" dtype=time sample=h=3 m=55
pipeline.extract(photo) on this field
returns h=8 m=49
